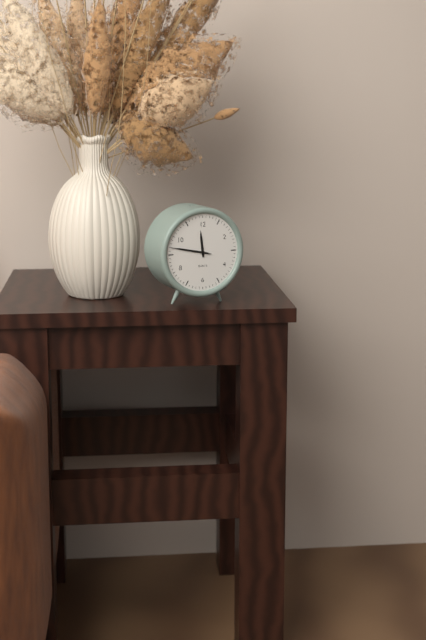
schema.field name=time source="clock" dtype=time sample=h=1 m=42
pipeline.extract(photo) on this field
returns h=11 m=47
